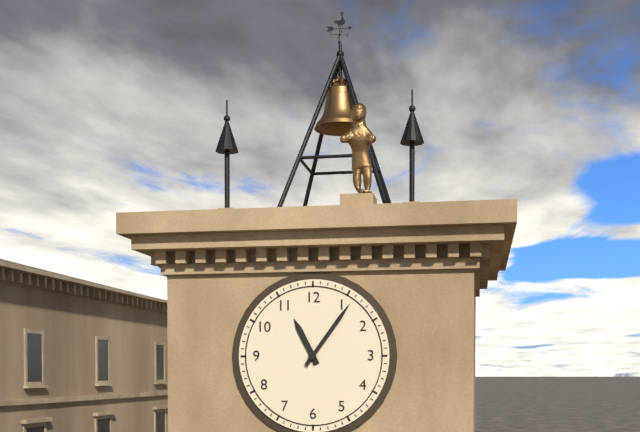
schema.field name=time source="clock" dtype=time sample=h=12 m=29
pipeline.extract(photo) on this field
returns h=11 m=6
